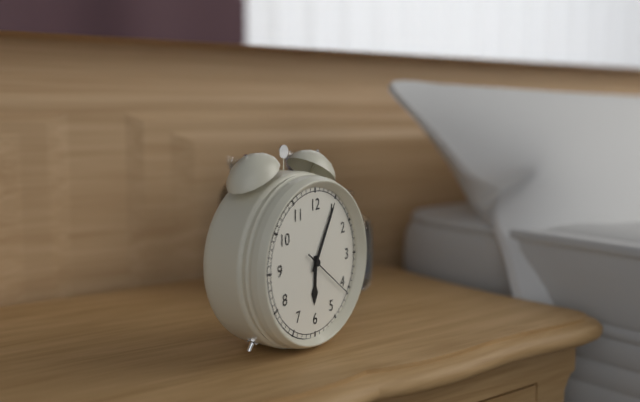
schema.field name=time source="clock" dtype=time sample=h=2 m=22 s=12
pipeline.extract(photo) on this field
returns h=6 m=5 s=21
